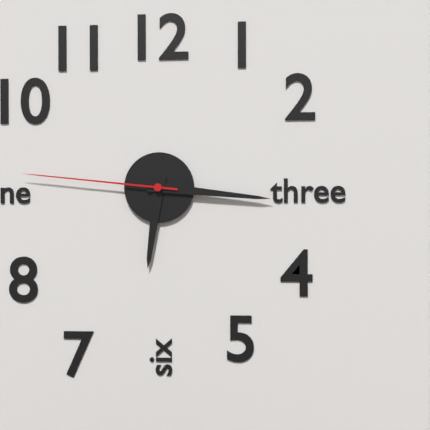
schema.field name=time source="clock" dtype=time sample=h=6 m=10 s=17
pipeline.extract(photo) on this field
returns h=6 m=16 s=46
